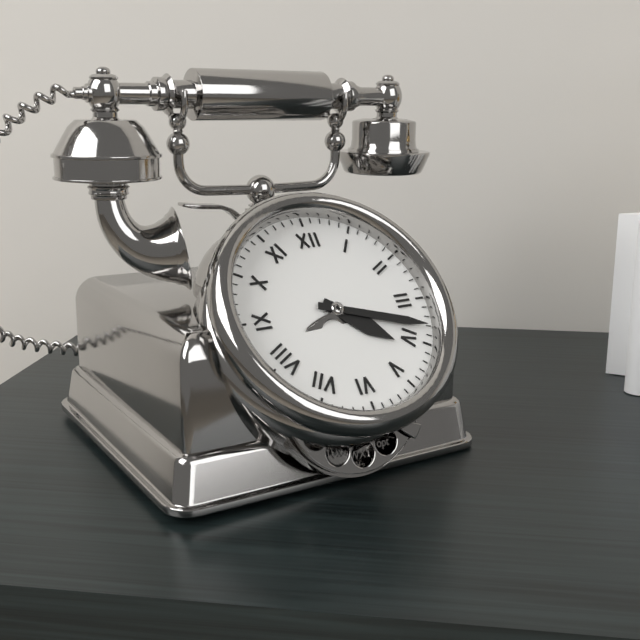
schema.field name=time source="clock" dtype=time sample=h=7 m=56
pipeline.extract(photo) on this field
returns h=4 m=18
